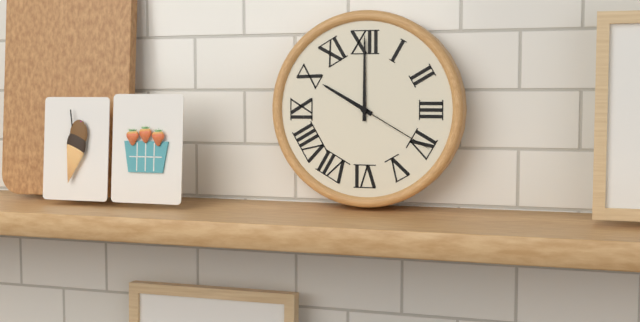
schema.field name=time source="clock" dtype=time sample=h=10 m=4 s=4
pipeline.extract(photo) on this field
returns h=10 m=0 s=20
